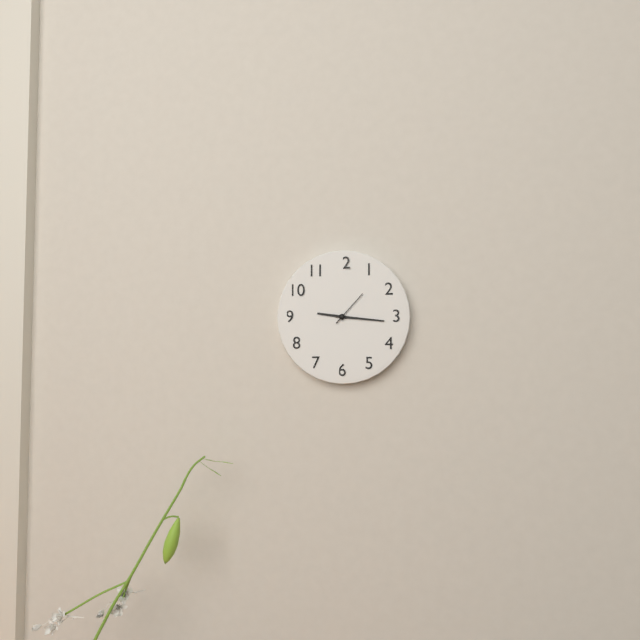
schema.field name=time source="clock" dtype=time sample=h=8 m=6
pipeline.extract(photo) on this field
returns h=9 m=16
